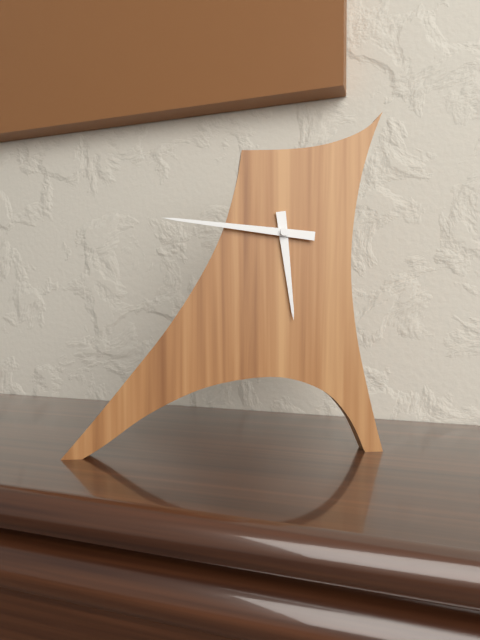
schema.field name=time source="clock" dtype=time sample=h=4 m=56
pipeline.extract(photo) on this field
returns h=5 m=46
